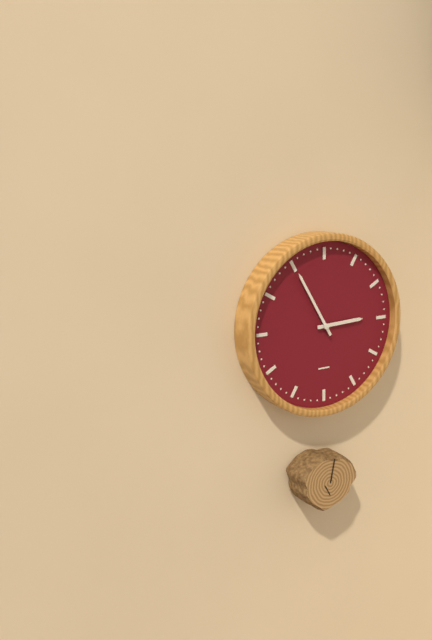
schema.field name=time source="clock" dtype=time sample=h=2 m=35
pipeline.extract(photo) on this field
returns h=2 m=55
